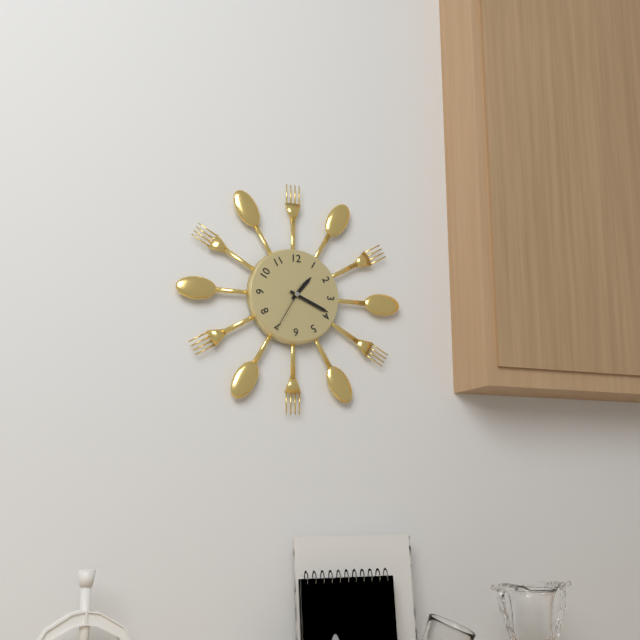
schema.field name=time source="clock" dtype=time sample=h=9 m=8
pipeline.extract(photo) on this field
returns h=1 m=19
